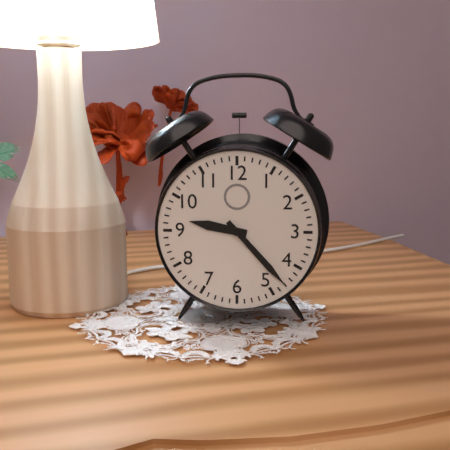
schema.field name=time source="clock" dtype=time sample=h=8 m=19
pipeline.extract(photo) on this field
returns h=9 m=23
